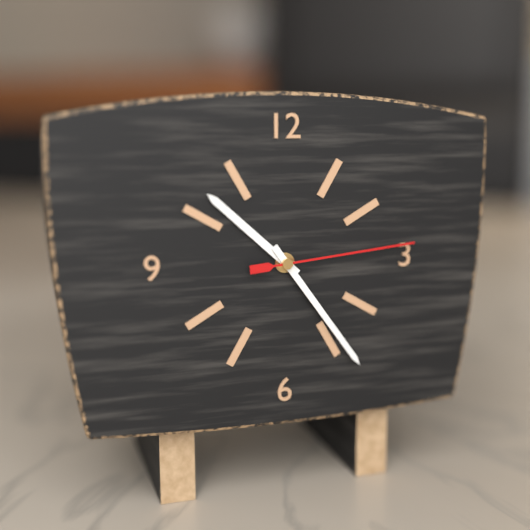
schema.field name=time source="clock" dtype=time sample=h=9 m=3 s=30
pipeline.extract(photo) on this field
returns h=10 m=24 s=14
